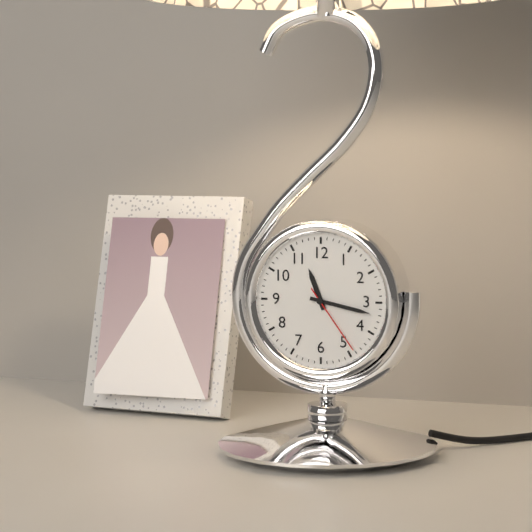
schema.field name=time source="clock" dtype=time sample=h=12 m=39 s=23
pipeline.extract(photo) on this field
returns h=11 m=17 s=24
